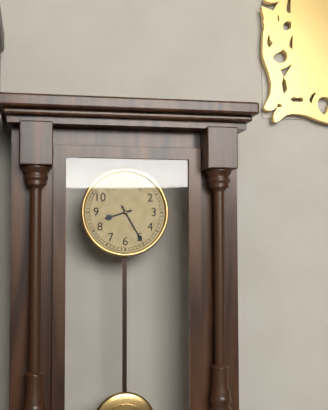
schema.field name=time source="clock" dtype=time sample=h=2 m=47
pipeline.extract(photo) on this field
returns h=8 m=25
